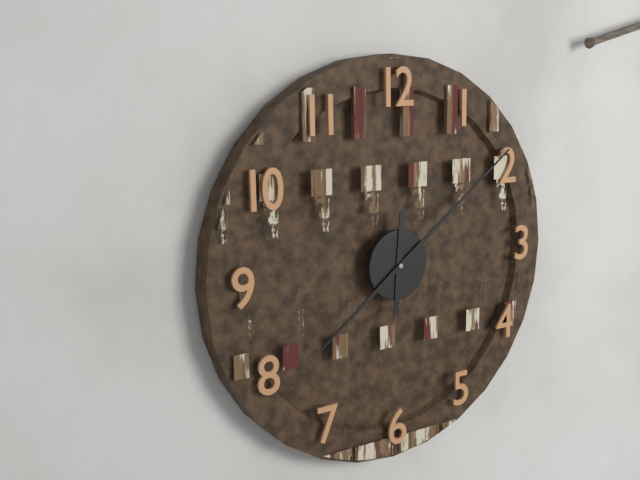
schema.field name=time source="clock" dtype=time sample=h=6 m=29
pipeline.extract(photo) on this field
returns h=12 m=9
